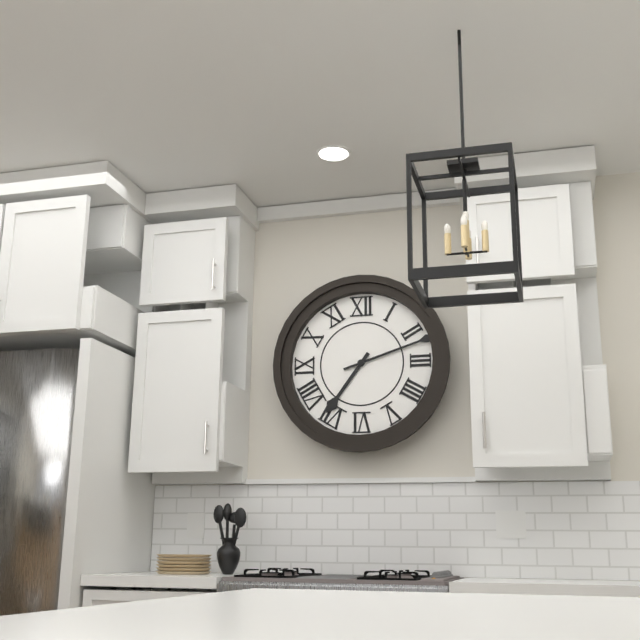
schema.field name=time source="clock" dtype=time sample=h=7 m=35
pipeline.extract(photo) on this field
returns h=7 m=12
